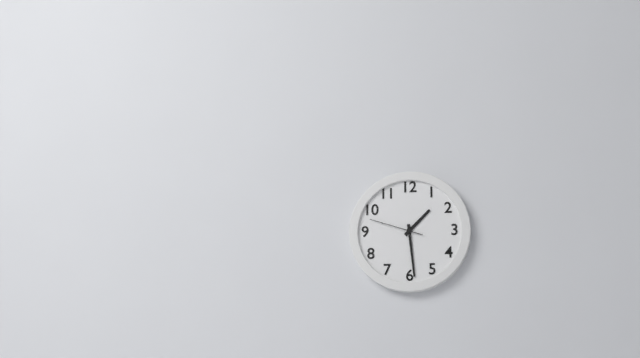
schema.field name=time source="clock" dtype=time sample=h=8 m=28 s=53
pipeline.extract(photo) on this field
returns h=1 m=29 s=48
